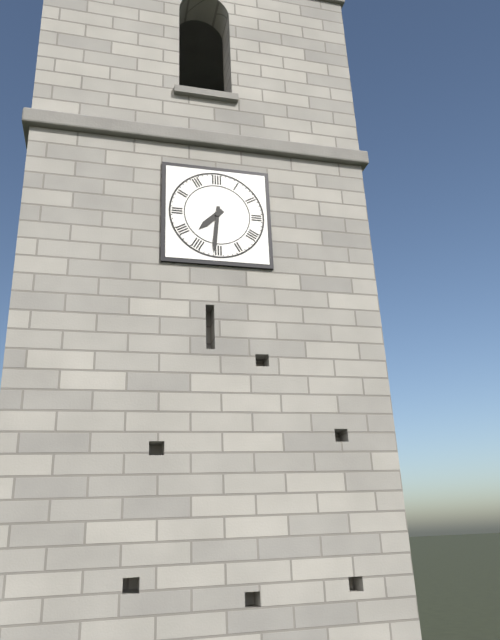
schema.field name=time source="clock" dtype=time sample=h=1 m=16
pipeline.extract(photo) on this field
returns h=7 m=31
